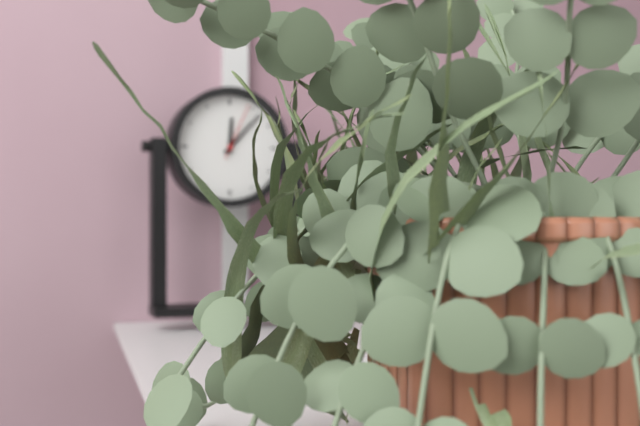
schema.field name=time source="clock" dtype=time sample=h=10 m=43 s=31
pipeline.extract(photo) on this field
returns h=12 m=7 s=4
